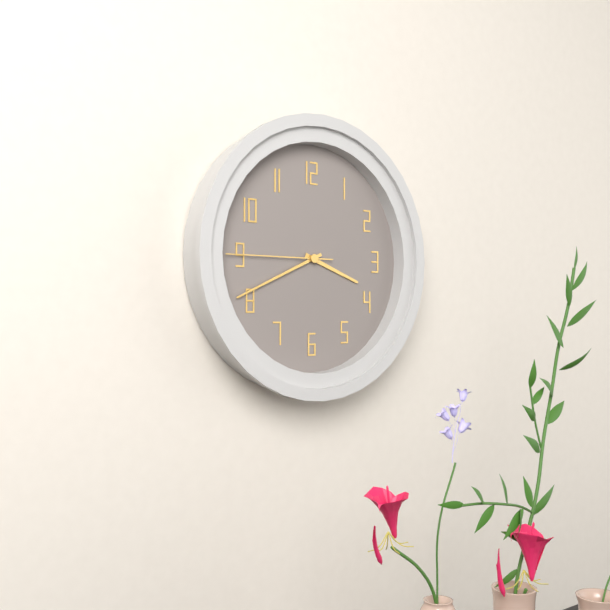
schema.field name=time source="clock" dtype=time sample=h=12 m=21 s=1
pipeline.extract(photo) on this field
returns h=3 m=41 s=45
